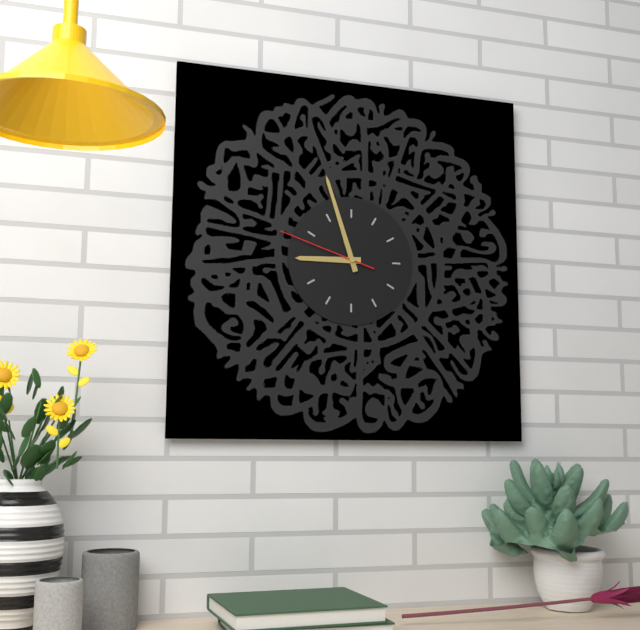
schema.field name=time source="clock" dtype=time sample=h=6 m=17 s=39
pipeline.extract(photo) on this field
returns h=8 m=57 s=48
